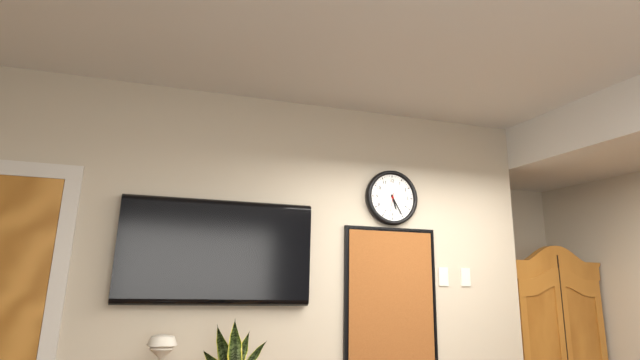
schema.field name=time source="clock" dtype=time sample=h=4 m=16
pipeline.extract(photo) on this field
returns h=5 m=25
